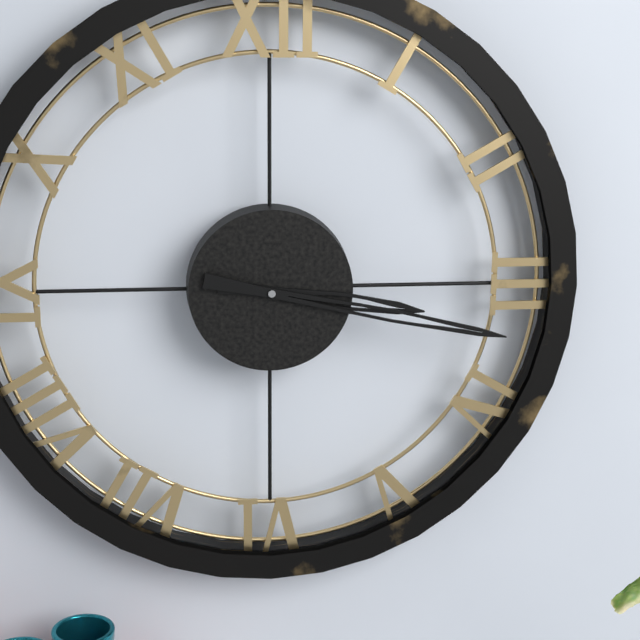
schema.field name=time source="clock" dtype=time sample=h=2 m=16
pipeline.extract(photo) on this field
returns h=3 m=17
